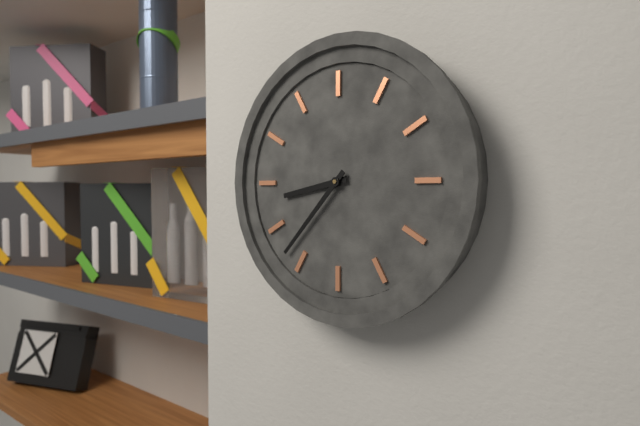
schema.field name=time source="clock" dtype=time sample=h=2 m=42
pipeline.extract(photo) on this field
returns h=8 m=37
